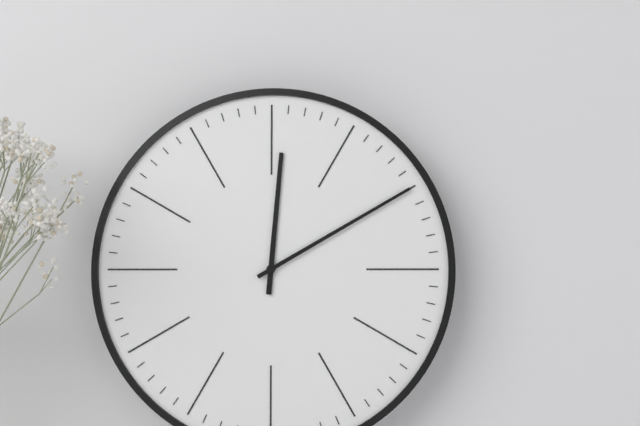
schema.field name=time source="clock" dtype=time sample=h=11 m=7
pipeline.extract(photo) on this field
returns h=12 m=10
